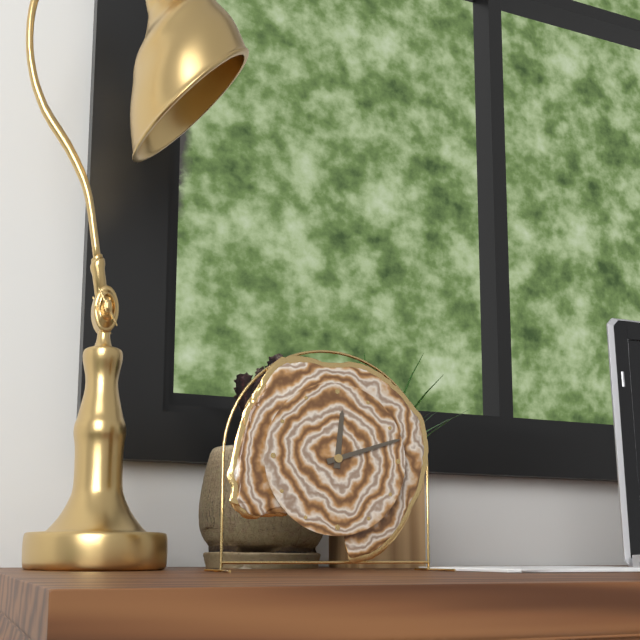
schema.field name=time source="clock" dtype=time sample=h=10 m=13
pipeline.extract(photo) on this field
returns h=12 m=12
